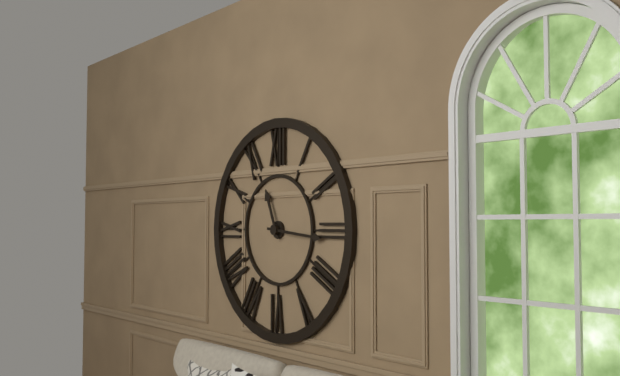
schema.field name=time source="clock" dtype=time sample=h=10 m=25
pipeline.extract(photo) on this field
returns h=11 m=16
